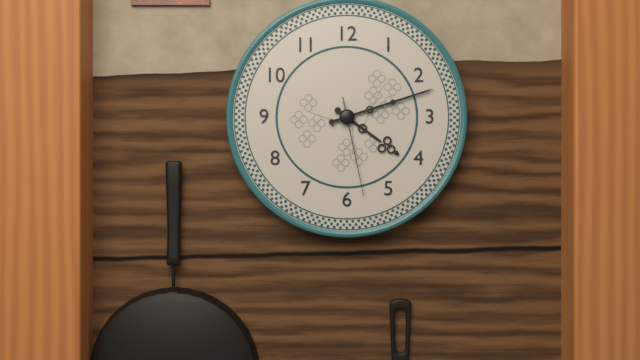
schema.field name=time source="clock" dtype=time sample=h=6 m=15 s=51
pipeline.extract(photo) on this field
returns h=4 m=12 s=28
